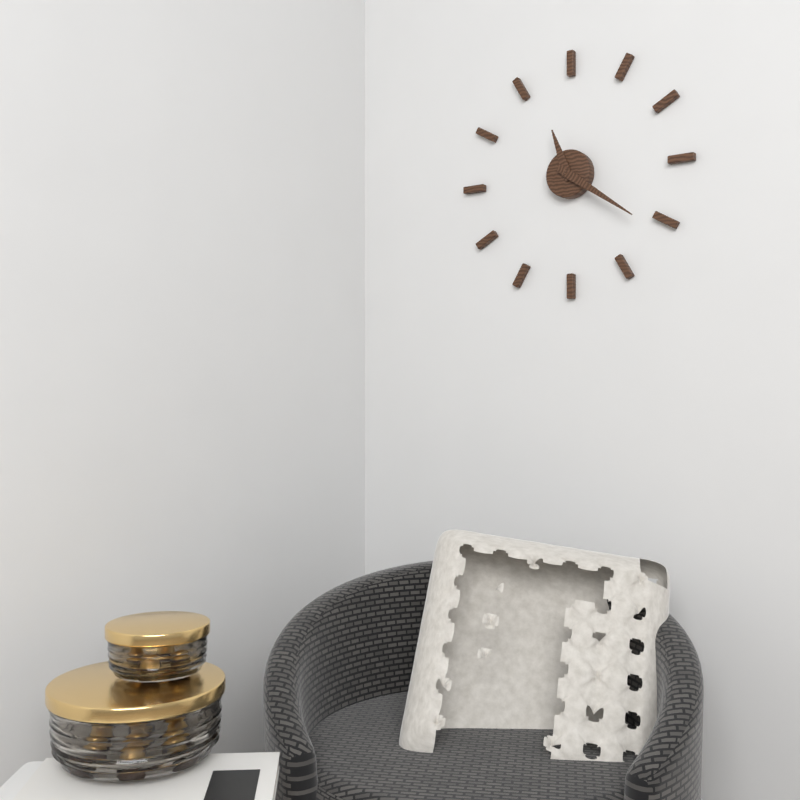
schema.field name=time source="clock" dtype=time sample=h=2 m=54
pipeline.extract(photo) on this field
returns h=11 m=21
